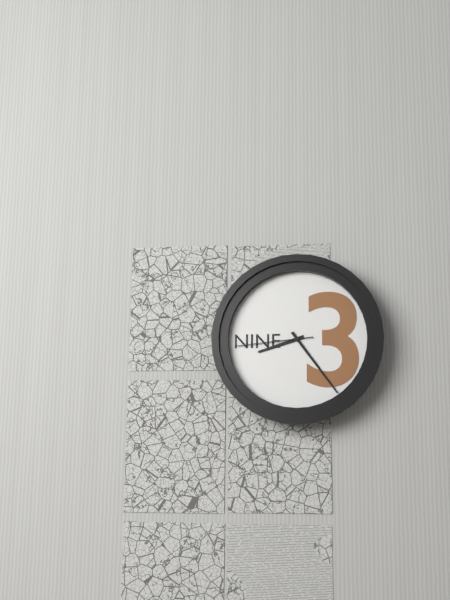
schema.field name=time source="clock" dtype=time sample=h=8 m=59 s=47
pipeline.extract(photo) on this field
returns h=8 m=24 s=44
